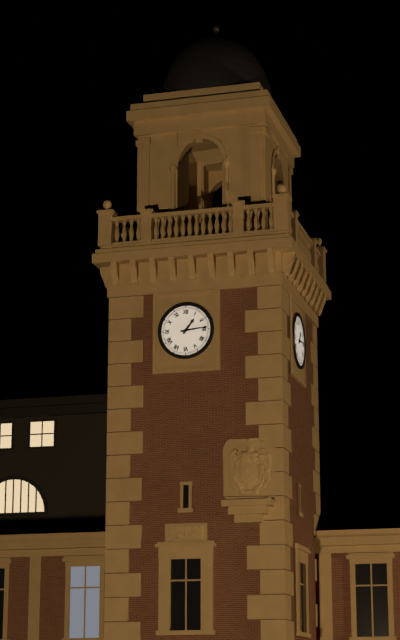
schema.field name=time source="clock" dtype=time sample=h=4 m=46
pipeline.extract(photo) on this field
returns h=1 m=14
